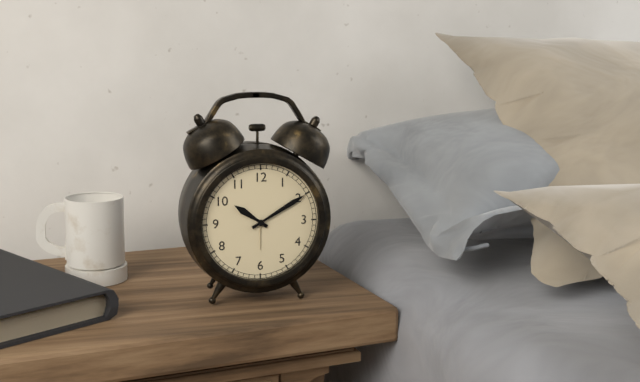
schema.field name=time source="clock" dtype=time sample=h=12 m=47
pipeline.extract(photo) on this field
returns h=10 m=10
